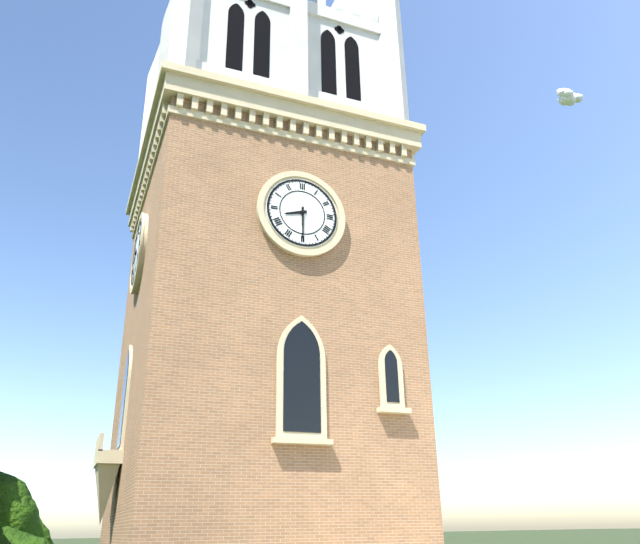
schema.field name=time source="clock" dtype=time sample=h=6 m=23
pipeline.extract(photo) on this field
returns h=8 m=30
